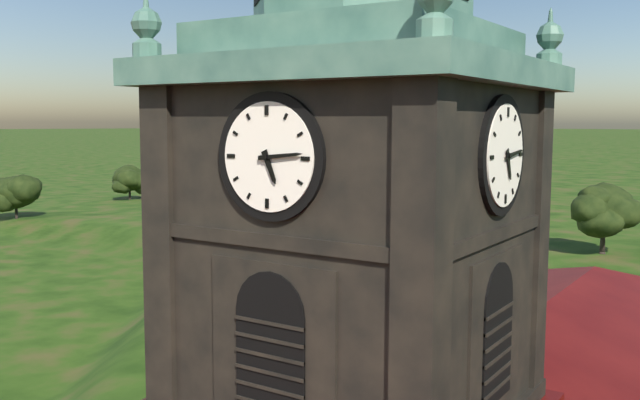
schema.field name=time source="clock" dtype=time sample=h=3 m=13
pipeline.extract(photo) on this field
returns h=5 m=14
